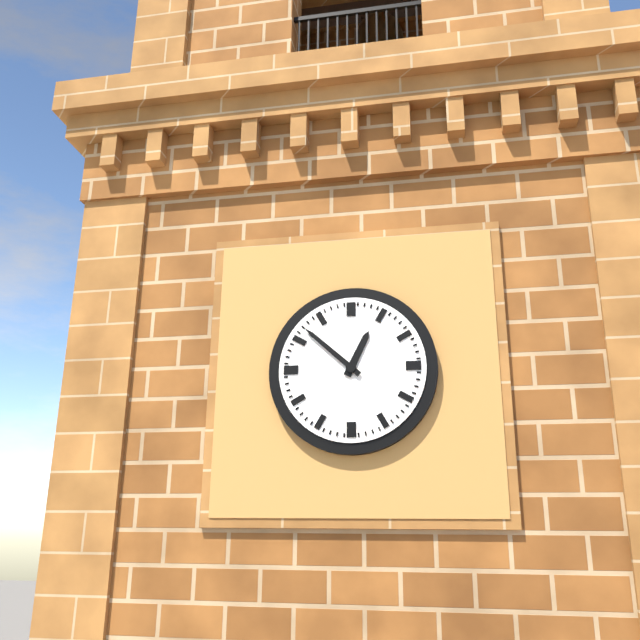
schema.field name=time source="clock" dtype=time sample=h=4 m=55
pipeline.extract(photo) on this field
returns h=12 m=52
